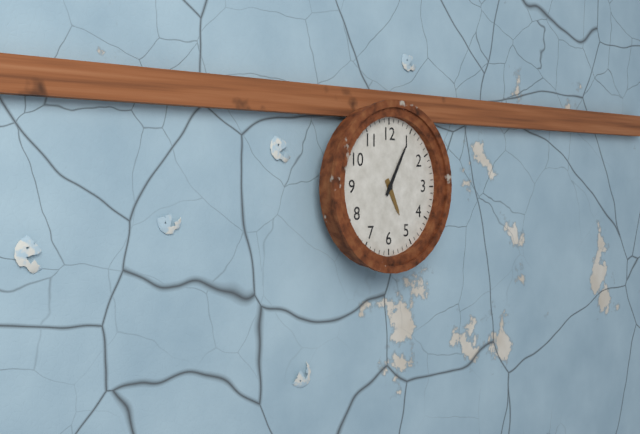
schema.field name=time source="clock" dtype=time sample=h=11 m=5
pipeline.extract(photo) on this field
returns h=5 m=5
